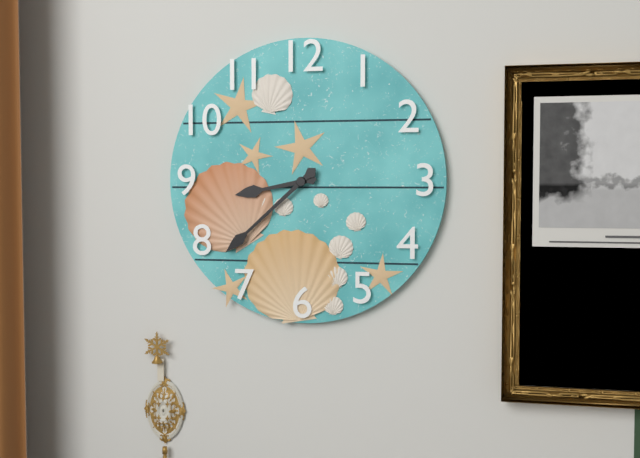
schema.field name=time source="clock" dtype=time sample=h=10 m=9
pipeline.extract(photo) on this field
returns h=8 m=38
